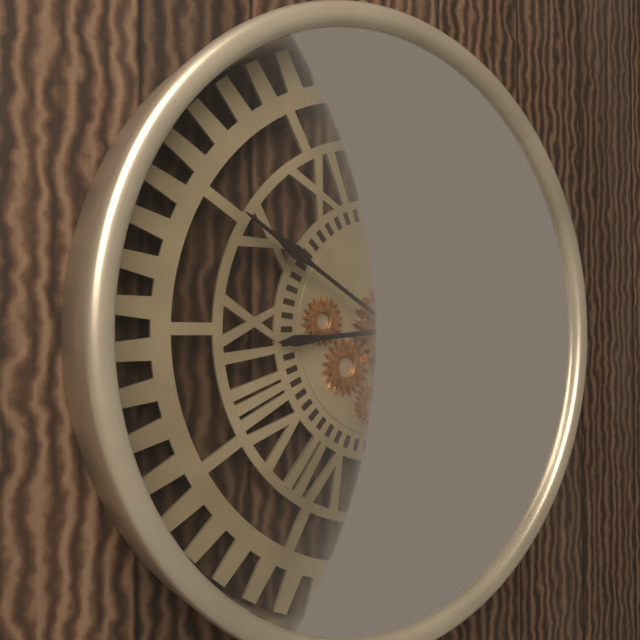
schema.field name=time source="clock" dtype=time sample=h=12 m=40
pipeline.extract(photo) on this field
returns h=8 m=50
